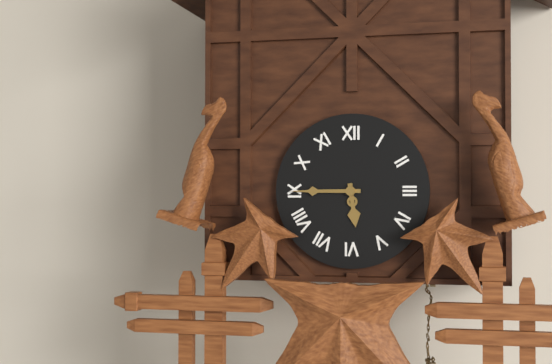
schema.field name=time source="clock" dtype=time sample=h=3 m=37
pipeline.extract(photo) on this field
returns h=5 m=45
